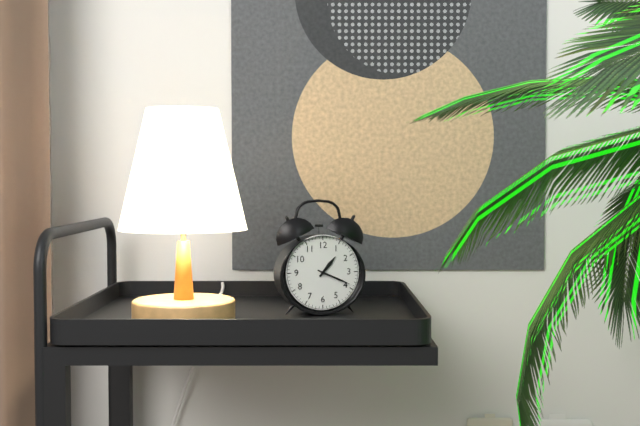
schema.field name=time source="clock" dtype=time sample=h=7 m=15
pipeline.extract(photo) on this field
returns h=1 m=19
